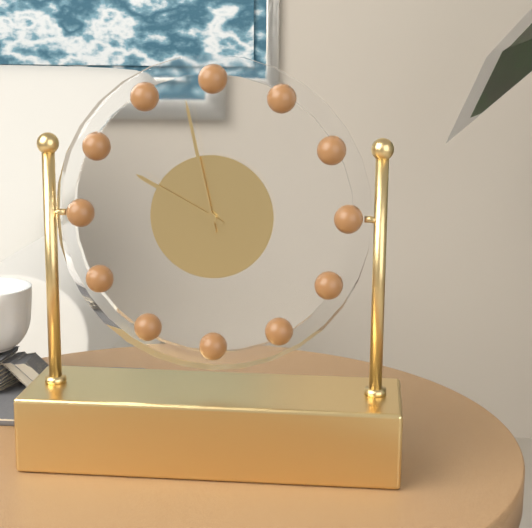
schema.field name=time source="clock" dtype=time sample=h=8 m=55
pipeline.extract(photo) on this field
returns h=9 m=58
